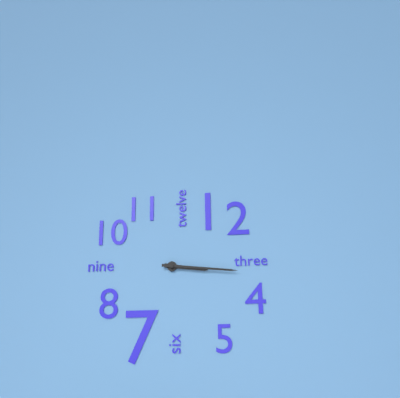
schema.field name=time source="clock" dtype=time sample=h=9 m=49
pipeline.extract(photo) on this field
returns h=3 m=16
